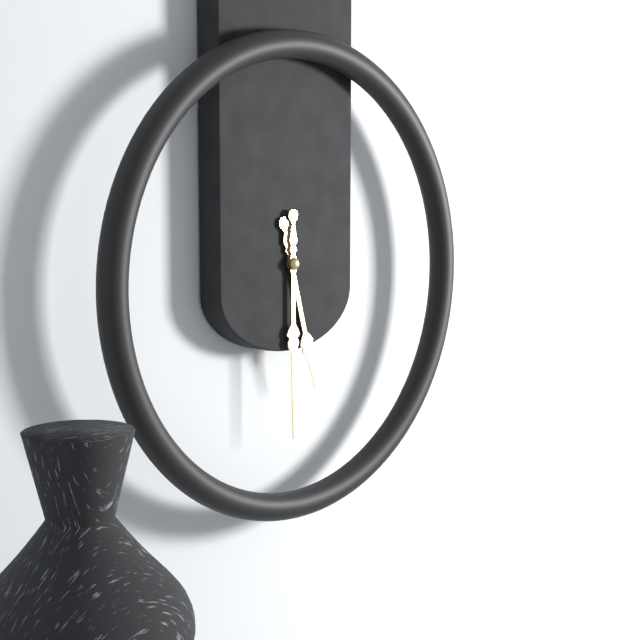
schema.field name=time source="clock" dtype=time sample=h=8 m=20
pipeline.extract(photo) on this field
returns h=5 m=30
